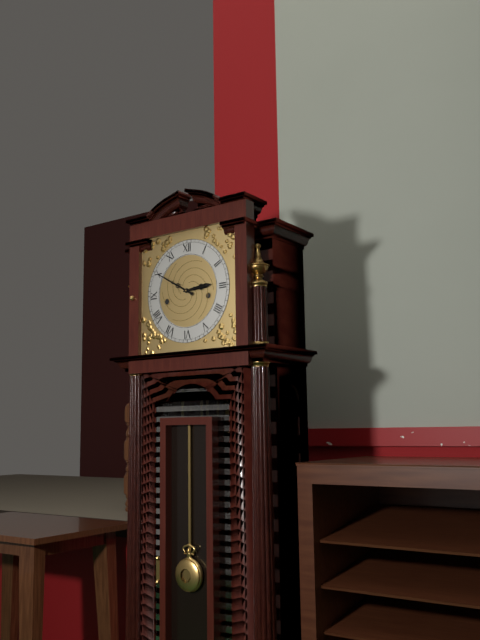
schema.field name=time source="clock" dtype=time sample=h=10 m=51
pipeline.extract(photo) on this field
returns h=2 m=50
